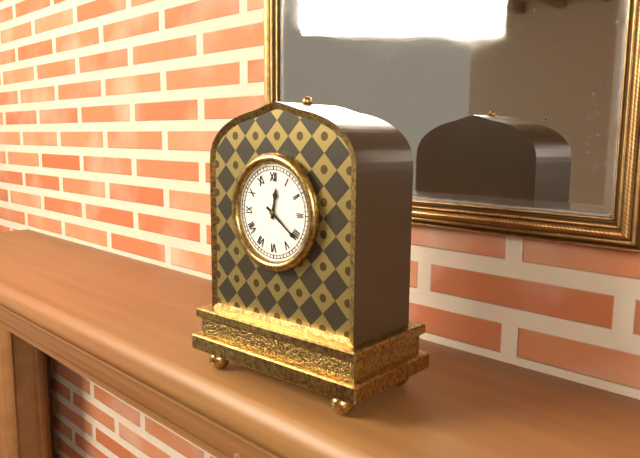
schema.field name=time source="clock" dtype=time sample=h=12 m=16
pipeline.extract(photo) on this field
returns h=12 m=21
